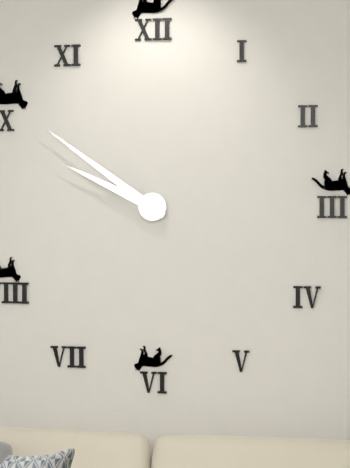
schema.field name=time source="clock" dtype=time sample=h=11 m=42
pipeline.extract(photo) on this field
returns h=9 m=51
